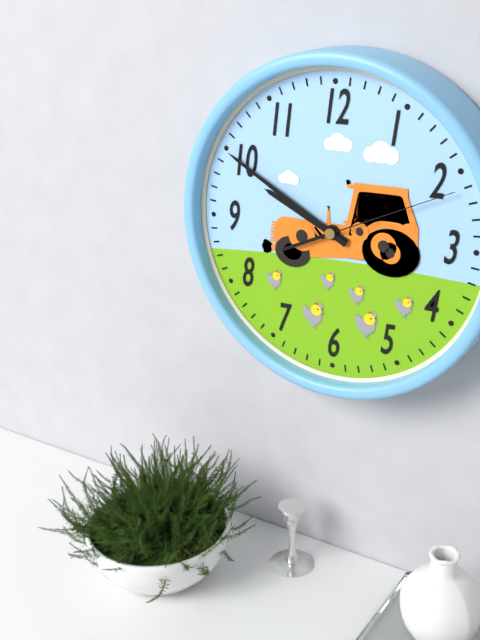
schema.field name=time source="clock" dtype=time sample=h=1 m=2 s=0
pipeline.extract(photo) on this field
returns h=9 m=50 s=11
